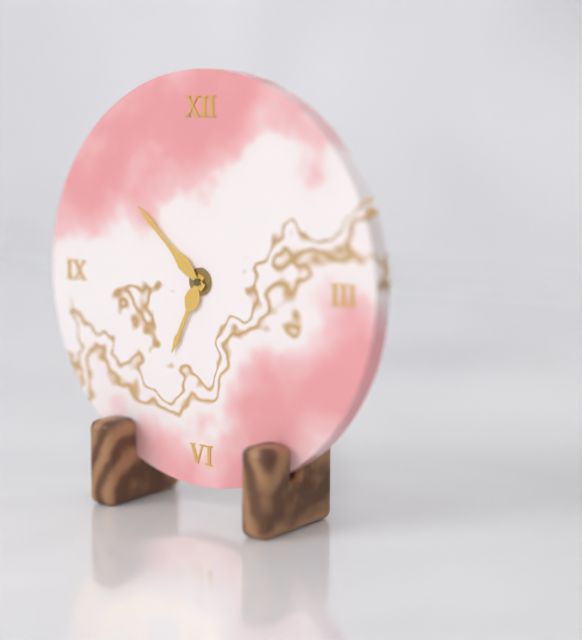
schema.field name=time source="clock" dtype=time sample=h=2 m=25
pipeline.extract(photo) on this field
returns h=6 m=52
